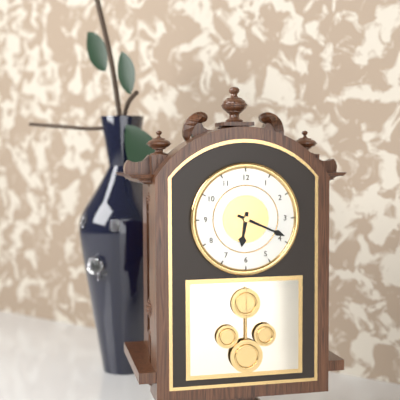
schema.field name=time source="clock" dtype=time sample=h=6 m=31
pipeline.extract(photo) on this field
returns h=6 m=19
